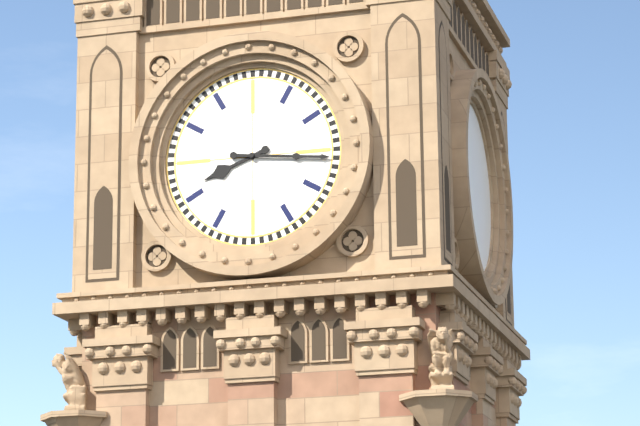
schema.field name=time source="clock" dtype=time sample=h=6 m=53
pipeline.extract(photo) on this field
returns h=8 m=16
